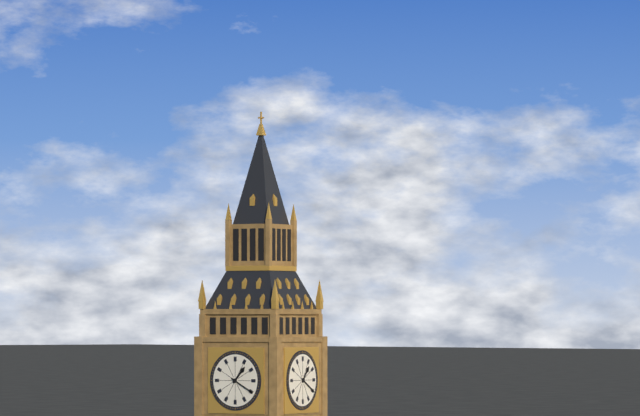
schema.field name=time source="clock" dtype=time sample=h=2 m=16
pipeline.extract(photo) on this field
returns h=1 m=20
